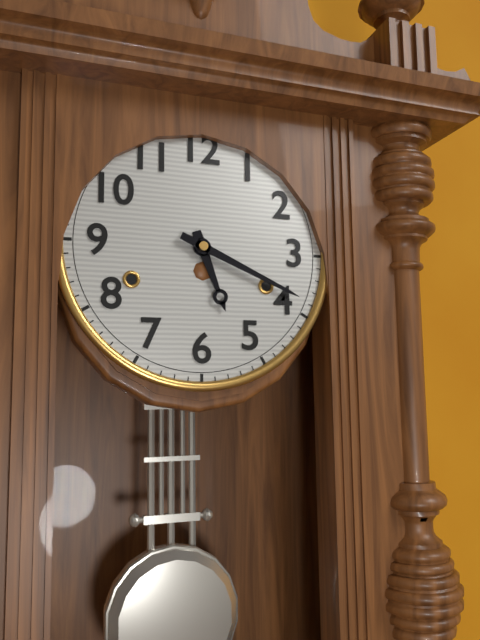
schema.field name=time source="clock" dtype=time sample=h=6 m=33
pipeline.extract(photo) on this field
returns h=5 m=19
